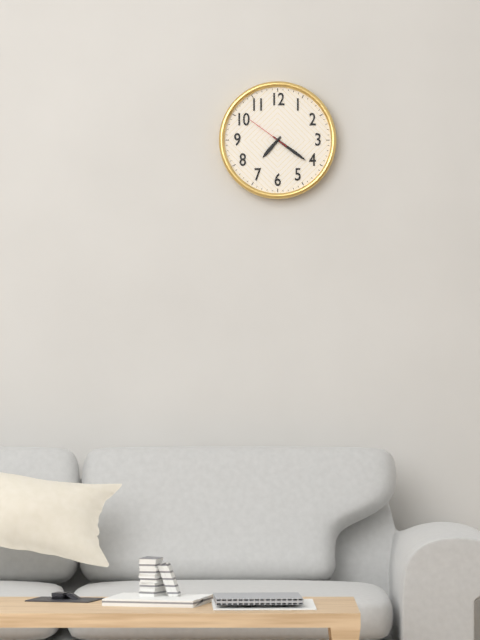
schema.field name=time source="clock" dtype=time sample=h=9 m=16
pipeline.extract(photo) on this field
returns h=7 m=21
